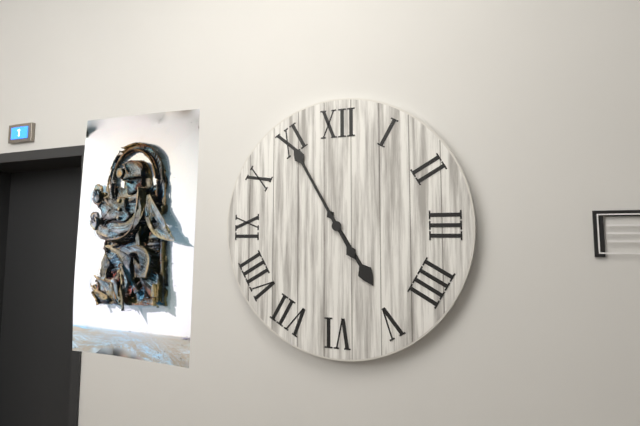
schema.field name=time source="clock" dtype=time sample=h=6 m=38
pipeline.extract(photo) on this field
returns h=4 m=55
